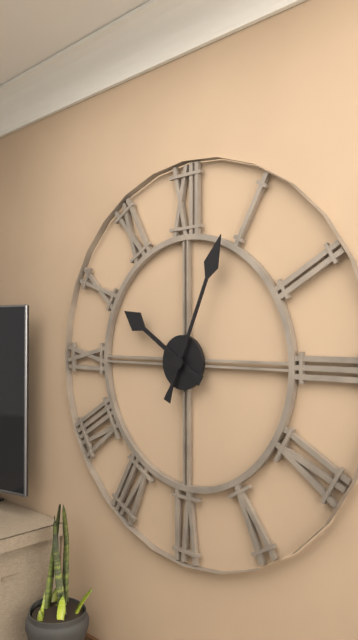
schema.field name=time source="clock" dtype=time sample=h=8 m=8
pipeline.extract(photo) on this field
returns h=10 m=4
